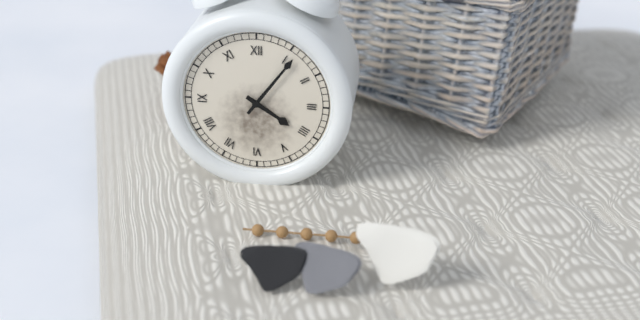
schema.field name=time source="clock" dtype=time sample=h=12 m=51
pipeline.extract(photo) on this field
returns h=4 m=6
